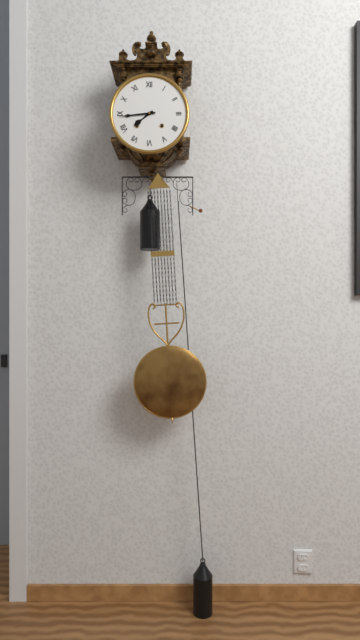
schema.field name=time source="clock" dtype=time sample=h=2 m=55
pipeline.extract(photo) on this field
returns h=7 m=44
